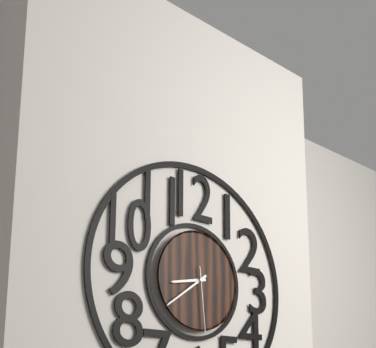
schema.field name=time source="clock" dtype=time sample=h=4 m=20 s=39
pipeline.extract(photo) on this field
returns h=8 m=39 s=29
